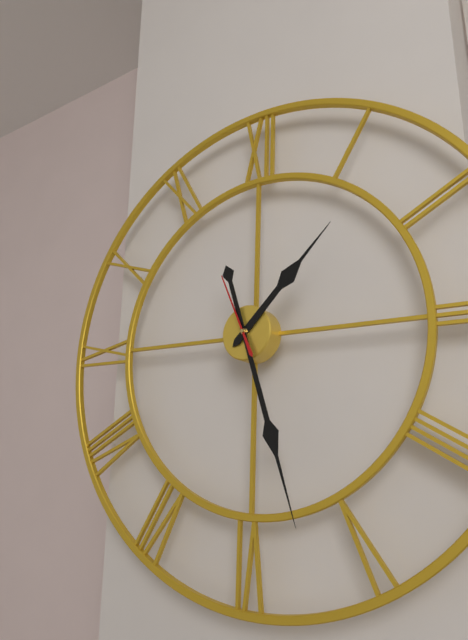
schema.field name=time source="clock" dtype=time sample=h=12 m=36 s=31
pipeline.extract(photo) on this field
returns h=1 m=27 s=56
